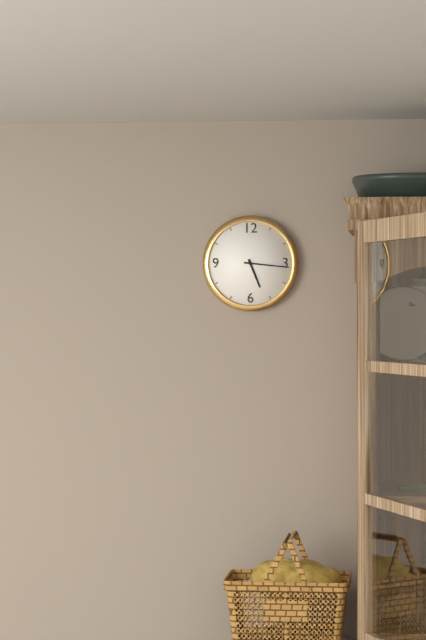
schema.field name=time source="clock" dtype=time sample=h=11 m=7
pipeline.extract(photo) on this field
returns h=5 m=16
